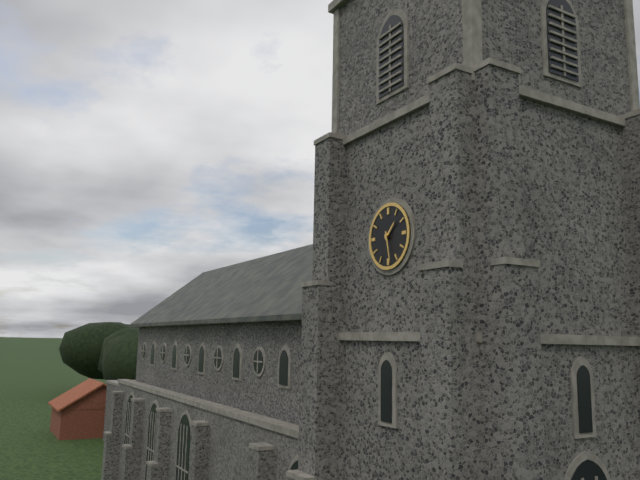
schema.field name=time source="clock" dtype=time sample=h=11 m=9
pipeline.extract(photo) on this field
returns h=1 m=28
